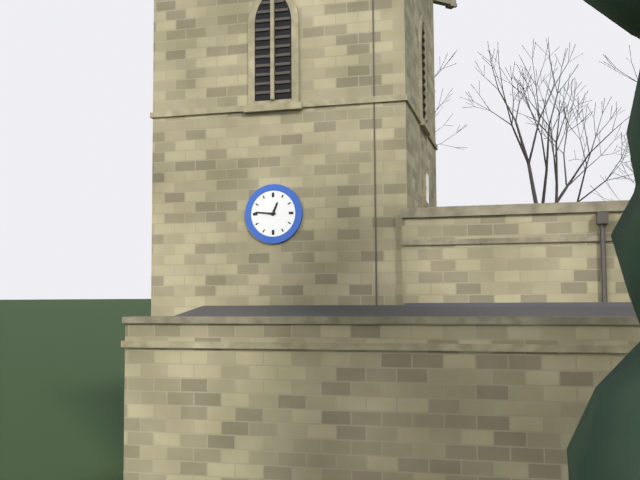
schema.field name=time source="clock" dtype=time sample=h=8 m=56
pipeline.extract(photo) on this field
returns h=12 m=46
